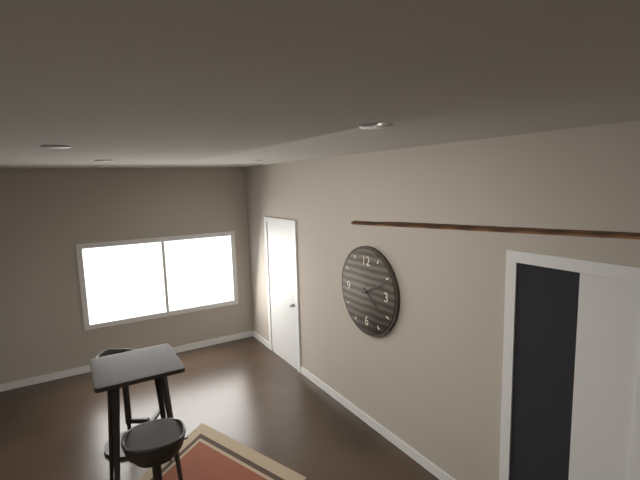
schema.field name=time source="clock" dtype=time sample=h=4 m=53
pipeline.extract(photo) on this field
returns h=4 m=11
